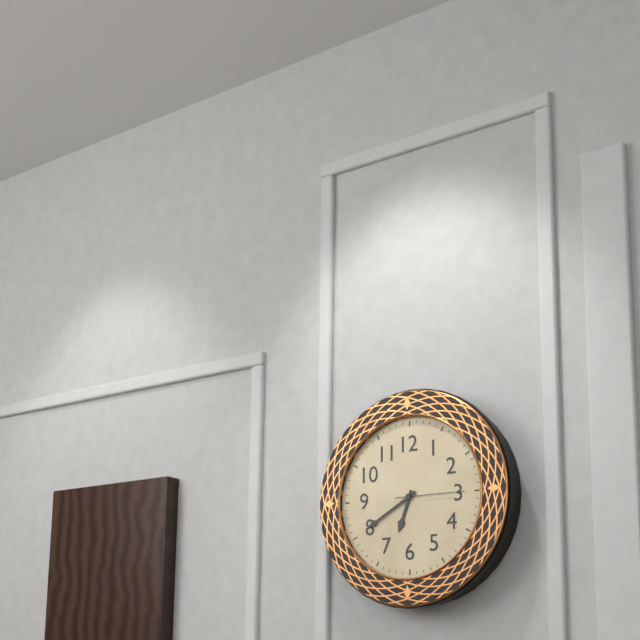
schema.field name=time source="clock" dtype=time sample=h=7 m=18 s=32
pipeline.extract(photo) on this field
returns h=6 m=40 s=15
